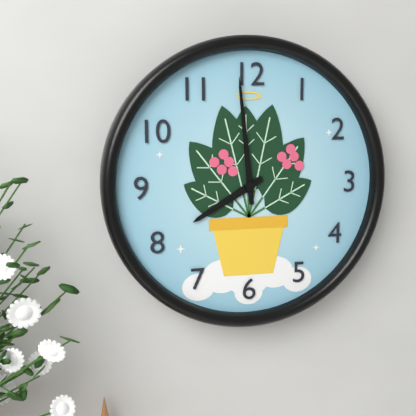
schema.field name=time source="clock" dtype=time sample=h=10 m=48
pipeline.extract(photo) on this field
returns h=7 m=59
